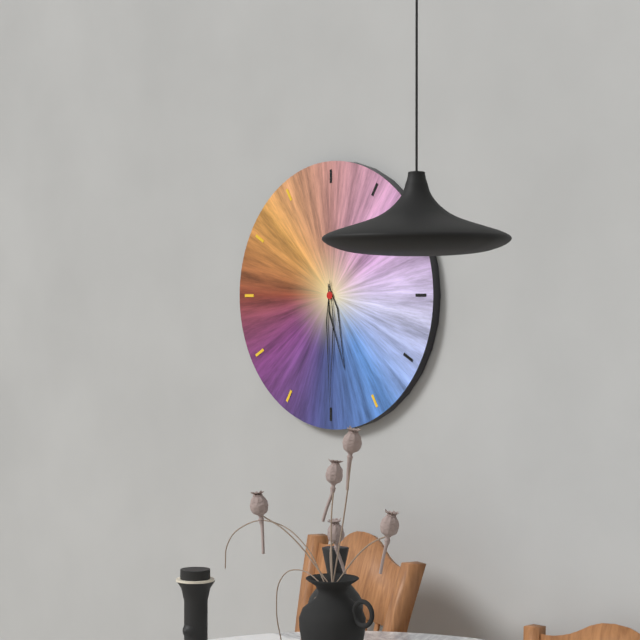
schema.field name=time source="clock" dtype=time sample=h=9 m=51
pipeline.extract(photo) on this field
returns h=5 m=30
